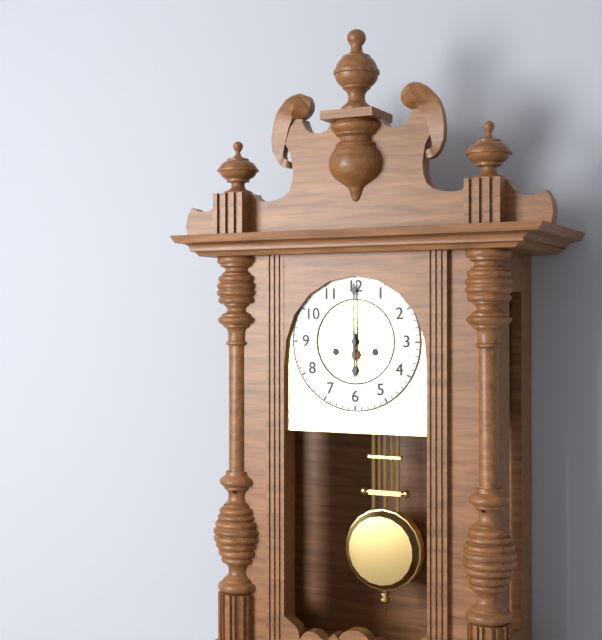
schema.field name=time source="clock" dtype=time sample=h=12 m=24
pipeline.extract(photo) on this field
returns h=6 m=0
